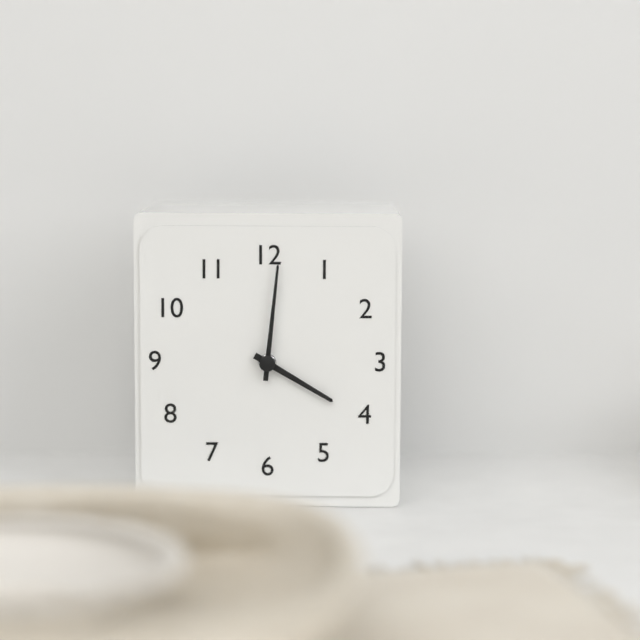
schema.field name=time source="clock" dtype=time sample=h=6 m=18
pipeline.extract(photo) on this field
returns h=4 m=1
